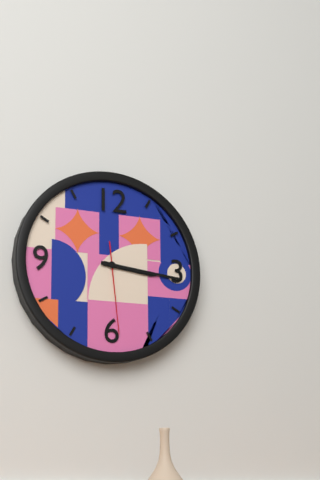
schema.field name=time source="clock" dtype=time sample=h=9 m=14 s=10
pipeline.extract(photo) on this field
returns h=3 m=16 s=29
